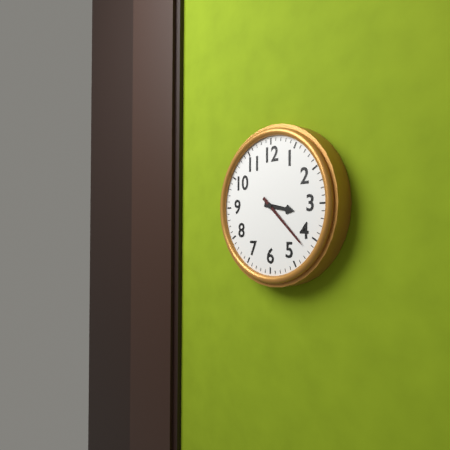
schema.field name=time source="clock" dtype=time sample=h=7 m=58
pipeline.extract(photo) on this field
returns h=3 m=22
